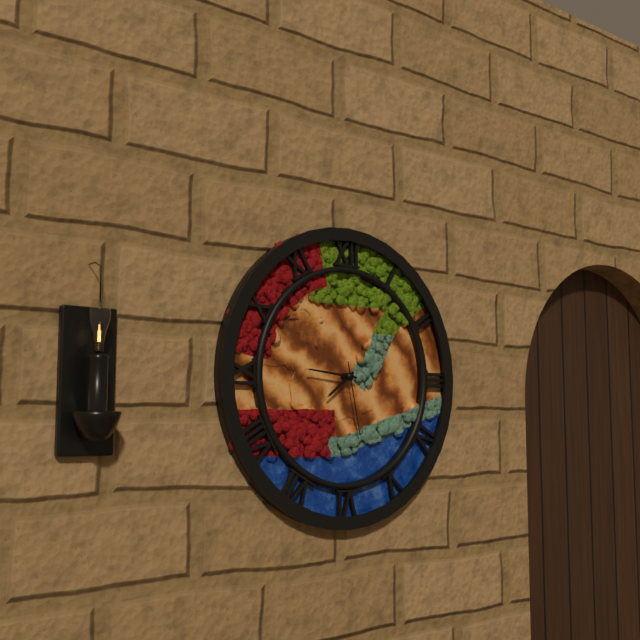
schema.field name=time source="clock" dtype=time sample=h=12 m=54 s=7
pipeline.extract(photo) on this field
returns h=7 m=46 s=28
